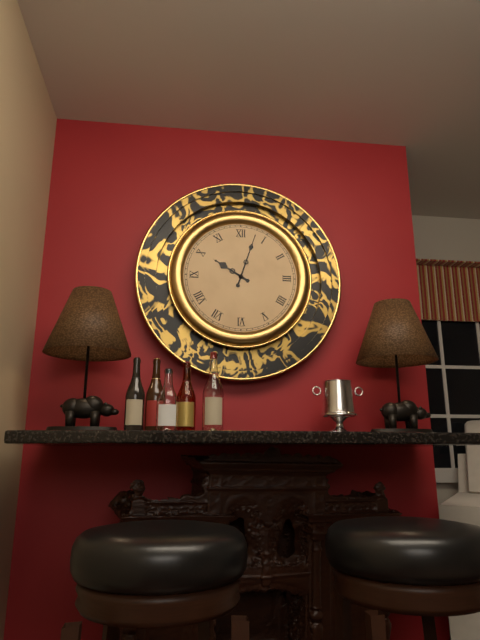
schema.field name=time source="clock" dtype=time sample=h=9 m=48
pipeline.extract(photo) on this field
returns h=10 m=3
